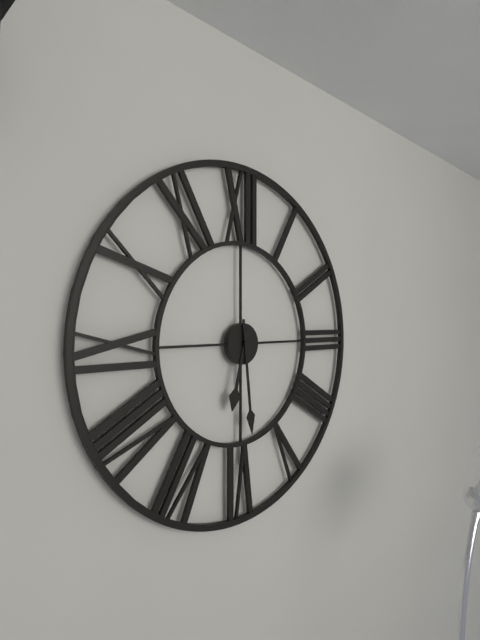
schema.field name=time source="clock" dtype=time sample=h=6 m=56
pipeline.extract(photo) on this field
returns h=6 m=29
